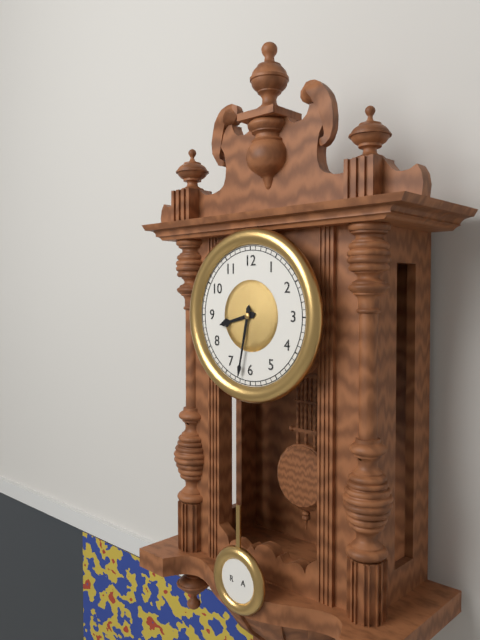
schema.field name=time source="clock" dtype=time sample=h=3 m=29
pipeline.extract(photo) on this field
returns h=8 m=32
